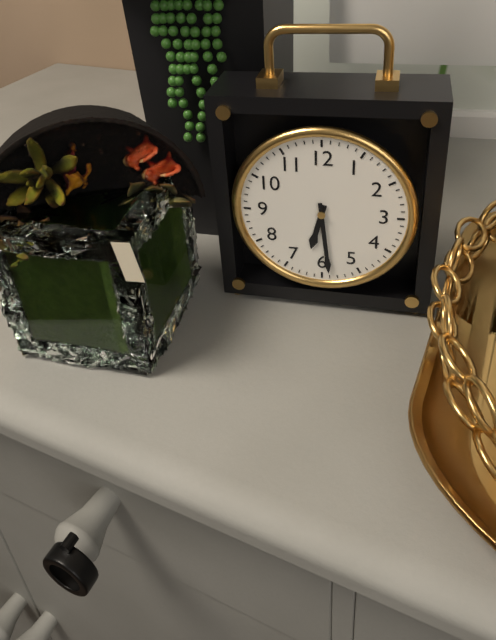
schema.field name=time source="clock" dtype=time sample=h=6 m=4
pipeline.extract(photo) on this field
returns h=6 m=29
